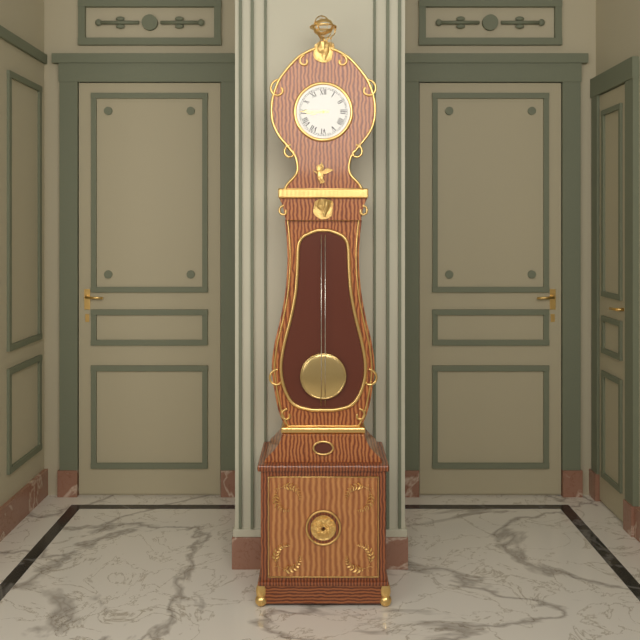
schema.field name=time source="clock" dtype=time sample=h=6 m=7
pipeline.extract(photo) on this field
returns h=8 m=45
